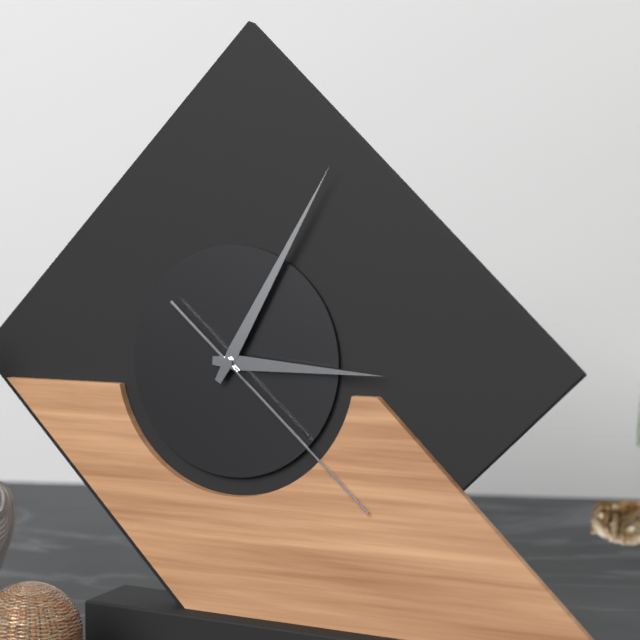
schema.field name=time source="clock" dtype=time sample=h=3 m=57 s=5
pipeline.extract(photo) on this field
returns h=3 m=5 s=22
